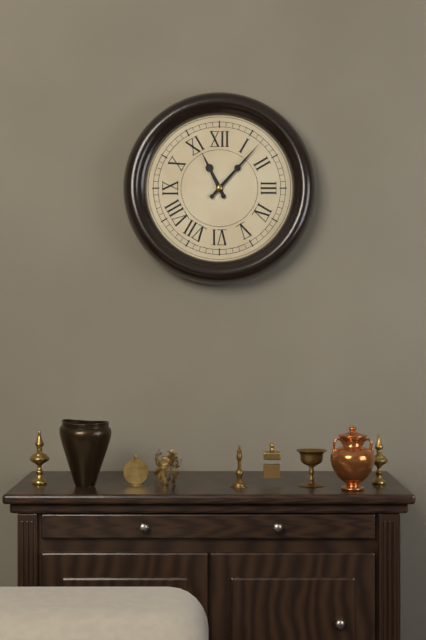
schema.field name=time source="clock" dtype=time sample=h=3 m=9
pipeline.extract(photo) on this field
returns h=11 m=7
